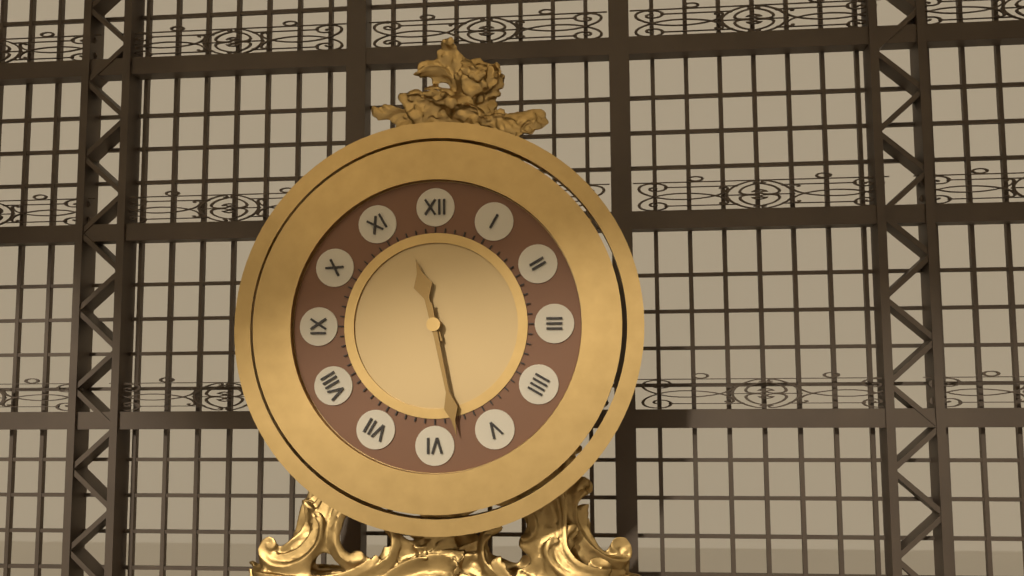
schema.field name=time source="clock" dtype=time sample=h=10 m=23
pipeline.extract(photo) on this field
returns h=11 m=28
